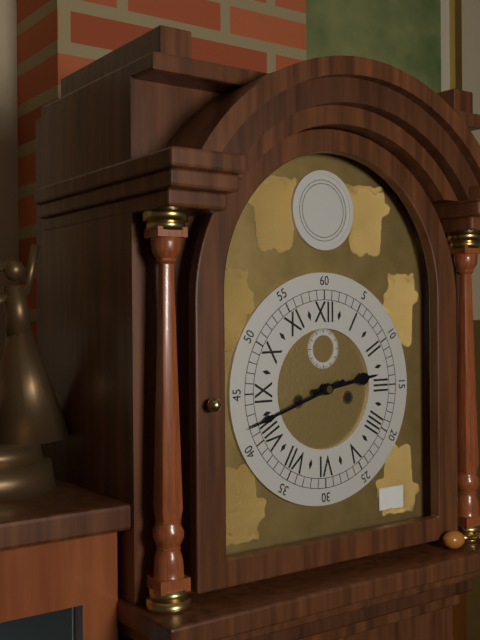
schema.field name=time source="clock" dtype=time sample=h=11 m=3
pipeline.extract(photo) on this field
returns h=2 m=42
